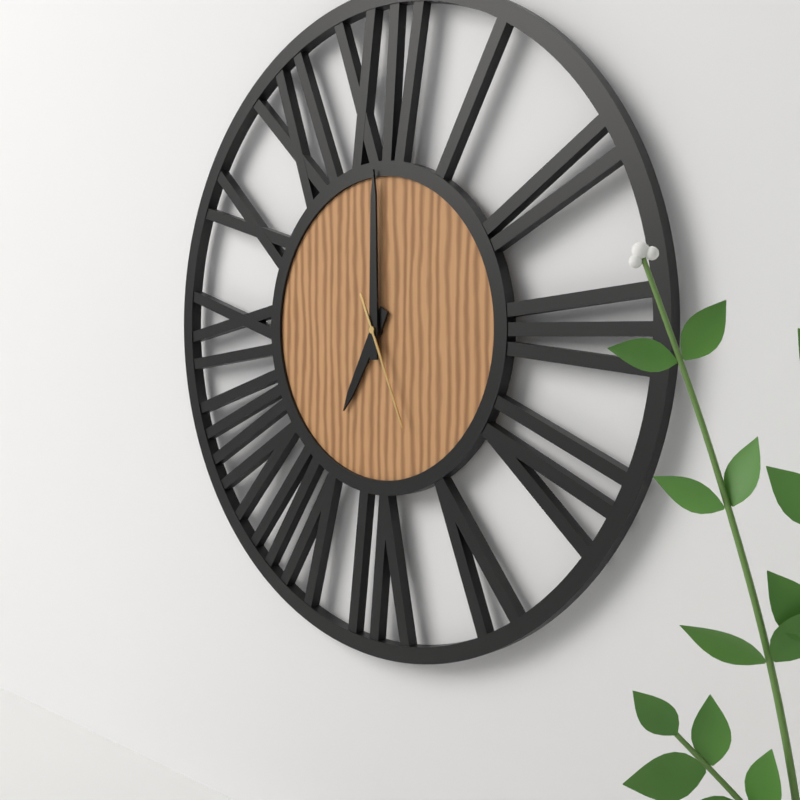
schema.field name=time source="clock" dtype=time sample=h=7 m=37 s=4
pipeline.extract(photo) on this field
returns h=7 m=0 s=26
